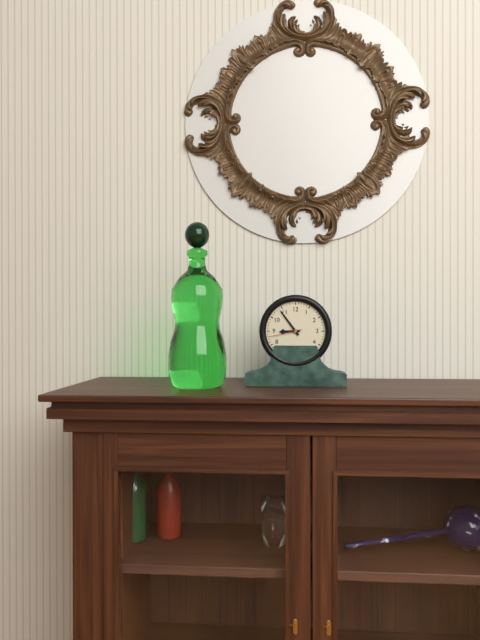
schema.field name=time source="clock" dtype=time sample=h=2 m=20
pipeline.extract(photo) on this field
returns h=8 m=54
